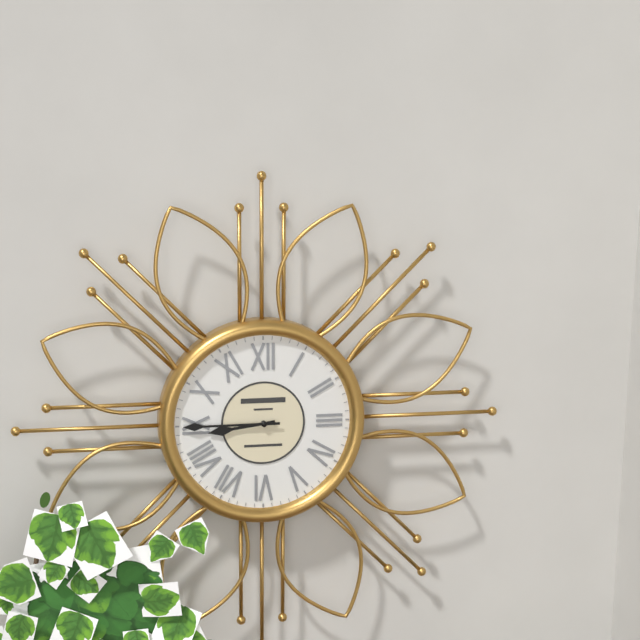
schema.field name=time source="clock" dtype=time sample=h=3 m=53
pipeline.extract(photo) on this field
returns h=8 m=45
